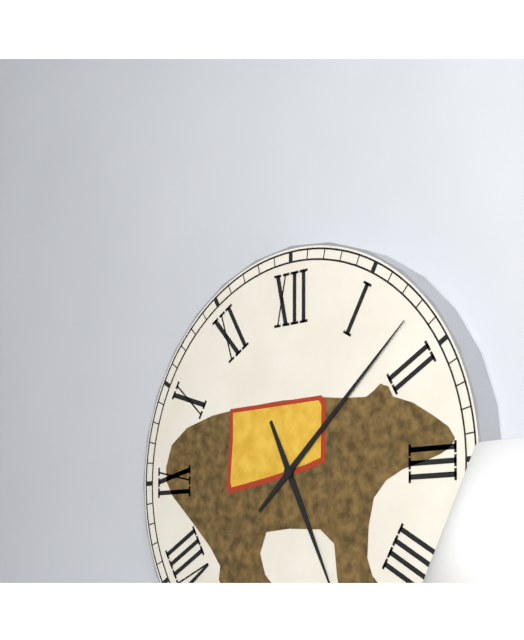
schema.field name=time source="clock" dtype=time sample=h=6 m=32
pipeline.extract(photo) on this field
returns h=5 m=8
